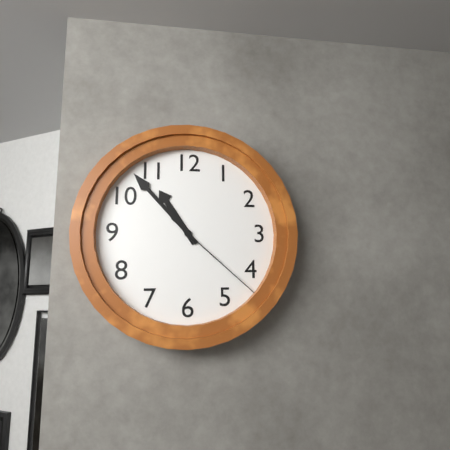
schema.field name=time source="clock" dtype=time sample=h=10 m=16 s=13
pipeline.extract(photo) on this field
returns h=10 m=53 s=22
